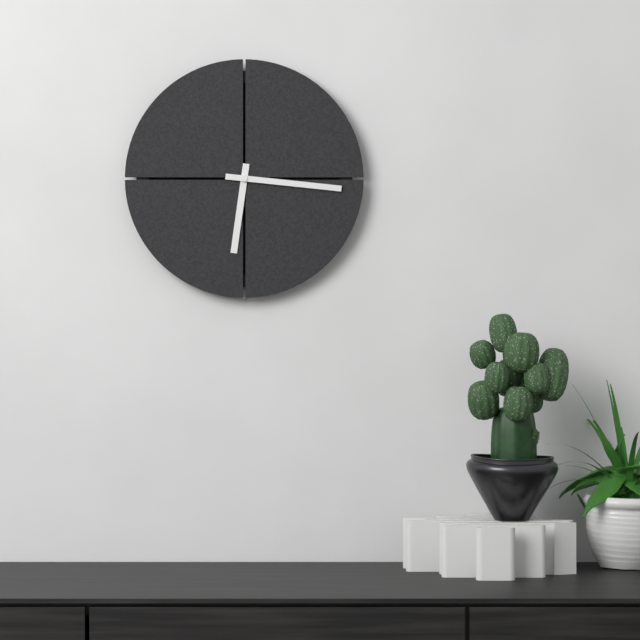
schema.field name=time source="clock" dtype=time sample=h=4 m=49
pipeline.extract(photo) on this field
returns h=6 m=16
